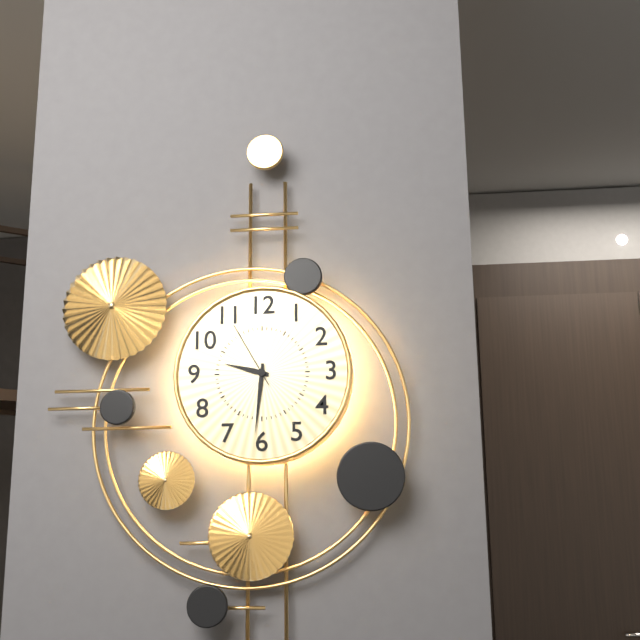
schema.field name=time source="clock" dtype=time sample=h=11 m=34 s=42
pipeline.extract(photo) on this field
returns h=9 m=31 s=55
